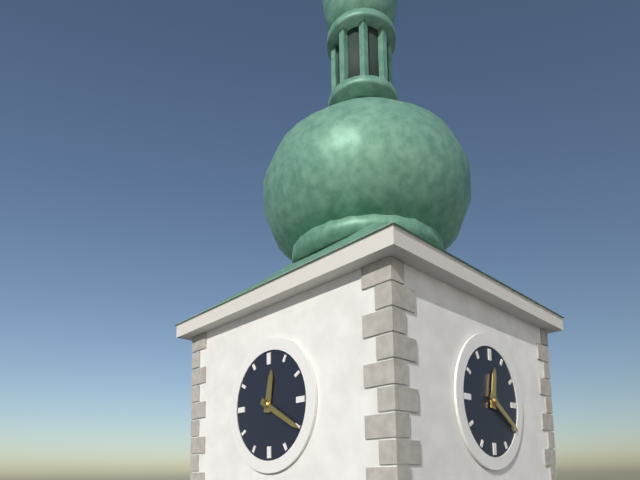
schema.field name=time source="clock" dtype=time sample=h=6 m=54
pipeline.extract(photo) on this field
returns h=12 m=20
